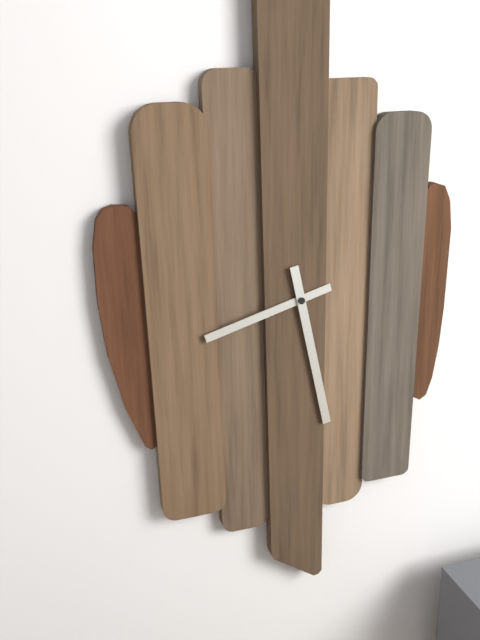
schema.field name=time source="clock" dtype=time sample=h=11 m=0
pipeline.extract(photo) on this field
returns h=8 m=28
